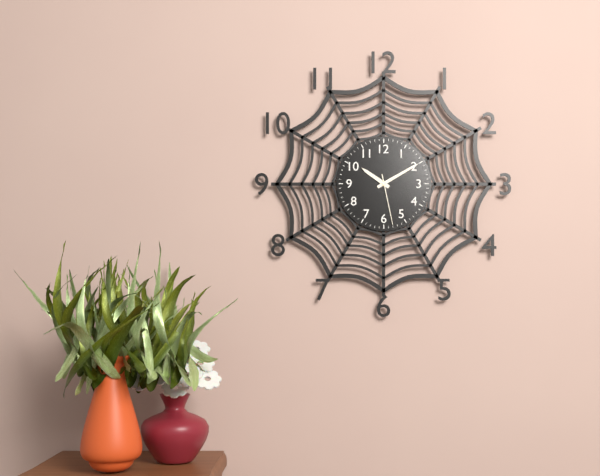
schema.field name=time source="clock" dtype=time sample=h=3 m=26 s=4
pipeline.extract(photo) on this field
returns h=10 m=10 s=28
